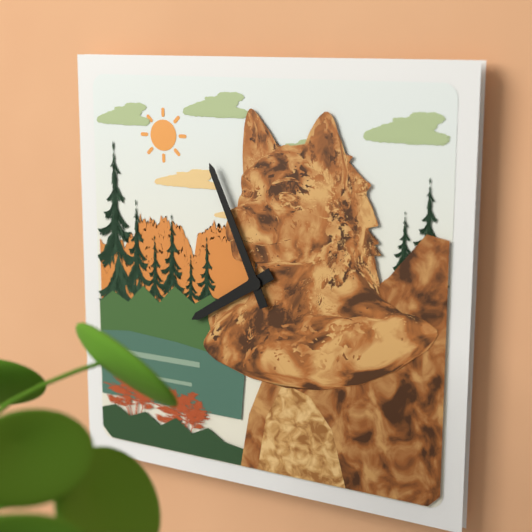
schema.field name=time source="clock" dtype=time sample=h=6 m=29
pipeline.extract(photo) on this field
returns h=7 m=56
